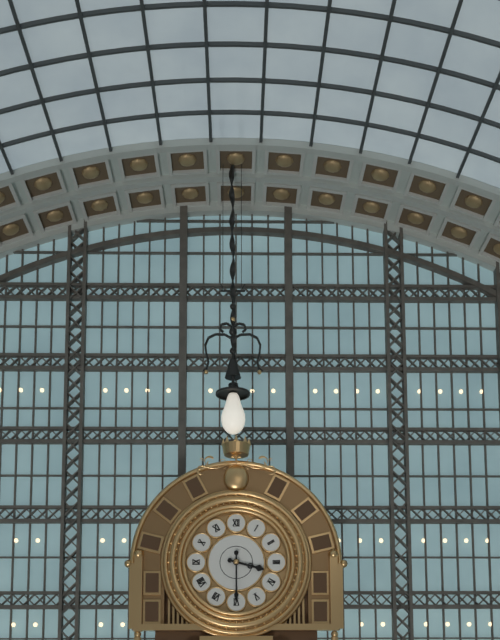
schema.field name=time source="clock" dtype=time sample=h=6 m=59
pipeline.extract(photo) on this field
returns h=3 m=30
